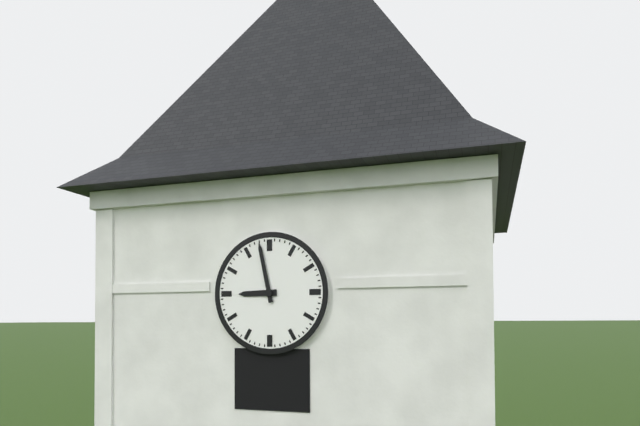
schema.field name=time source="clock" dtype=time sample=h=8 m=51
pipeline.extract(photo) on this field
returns h=8 m=58
